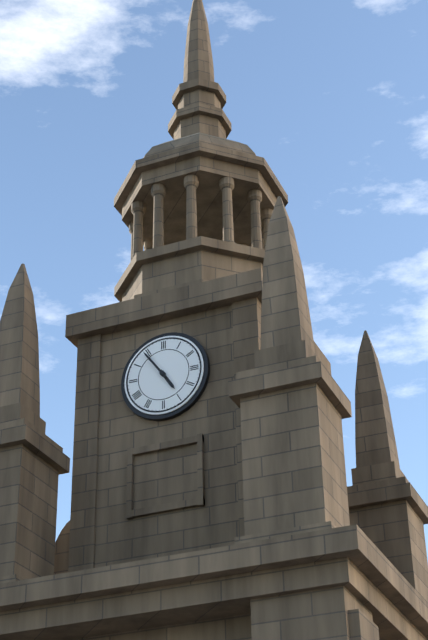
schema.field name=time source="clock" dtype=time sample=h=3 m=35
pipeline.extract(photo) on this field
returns h=4 m=54
